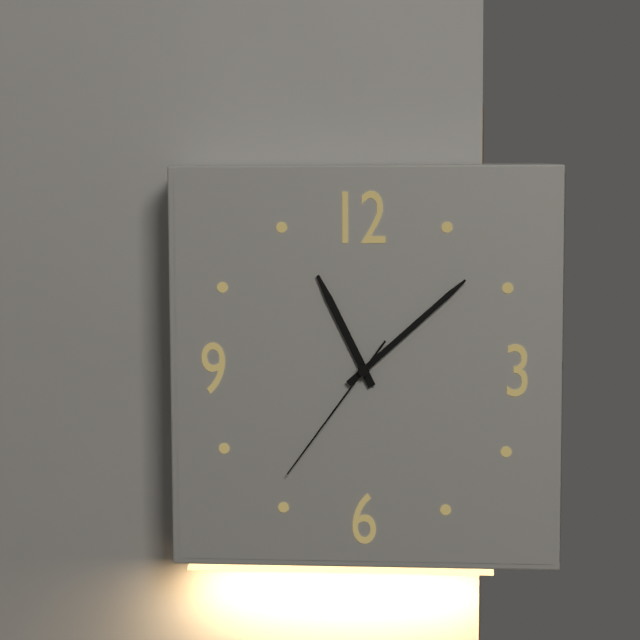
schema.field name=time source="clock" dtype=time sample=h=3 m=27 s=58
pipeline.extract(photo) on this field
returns h=11 m=8 s=36
